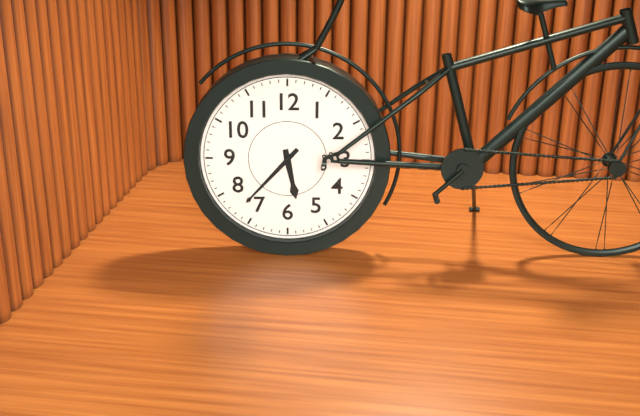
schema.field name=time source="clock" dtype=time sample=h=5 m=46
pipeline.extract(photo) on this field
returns h=5 m=37
